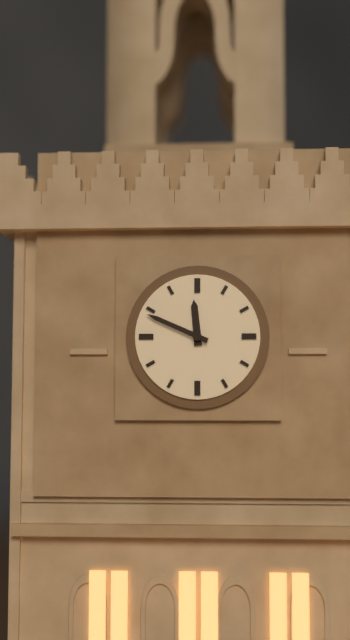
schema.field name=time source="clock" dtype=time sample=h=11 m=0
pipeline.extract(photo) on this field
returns h=11 m=49
